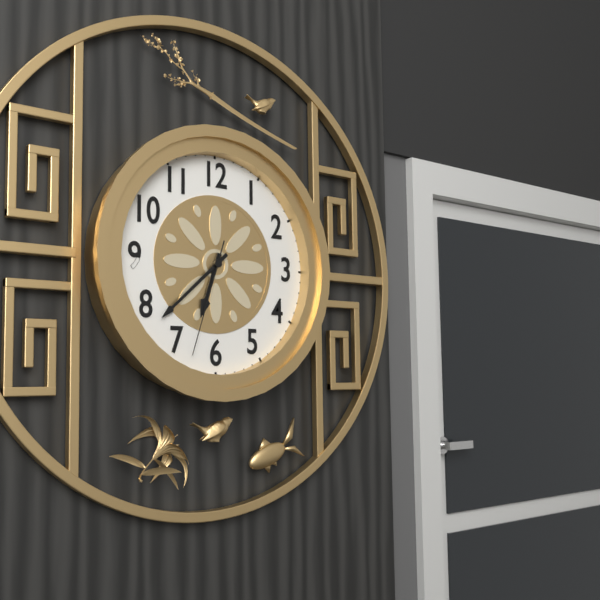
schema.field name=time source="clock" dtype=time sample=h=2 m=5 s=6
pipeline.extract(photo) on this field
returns h=6 m=38 s=33
